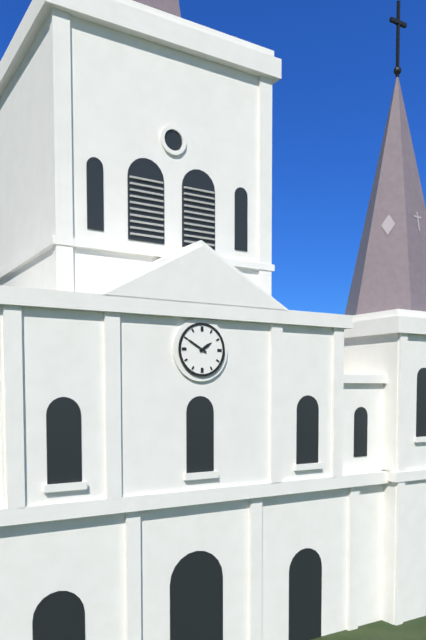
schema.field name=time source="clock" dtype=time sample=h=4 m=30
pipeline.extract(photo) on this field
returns h=1 m=50
